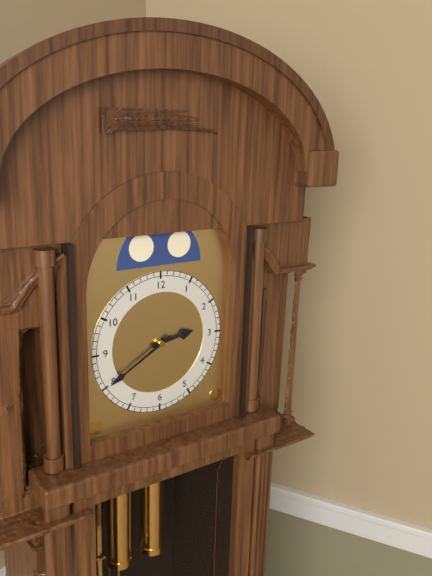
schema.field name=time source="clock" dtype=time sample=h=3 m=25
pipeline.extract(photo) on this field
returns h=2 m=40
